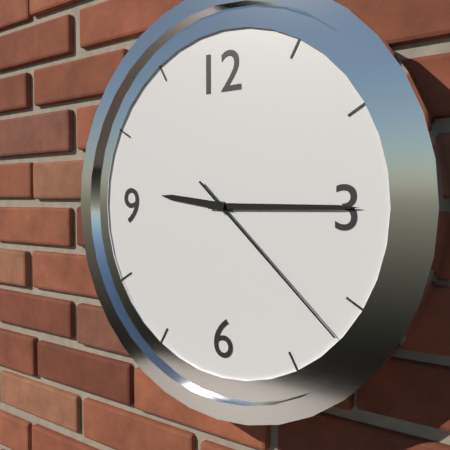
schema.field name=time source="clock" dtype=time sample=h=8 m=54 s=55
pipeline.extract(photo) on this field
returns h=9 m=15 s=22
